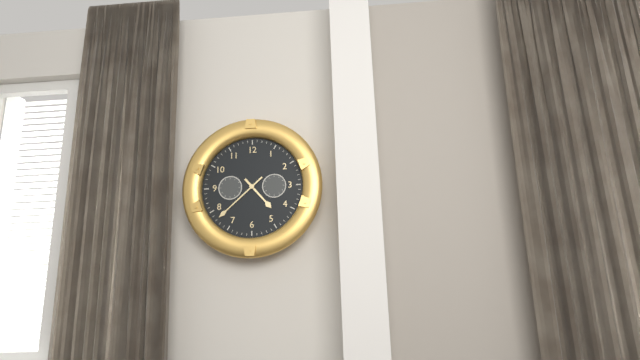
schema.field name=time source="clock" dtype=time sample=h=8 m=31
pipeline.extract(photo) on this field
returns h=4 m=38
